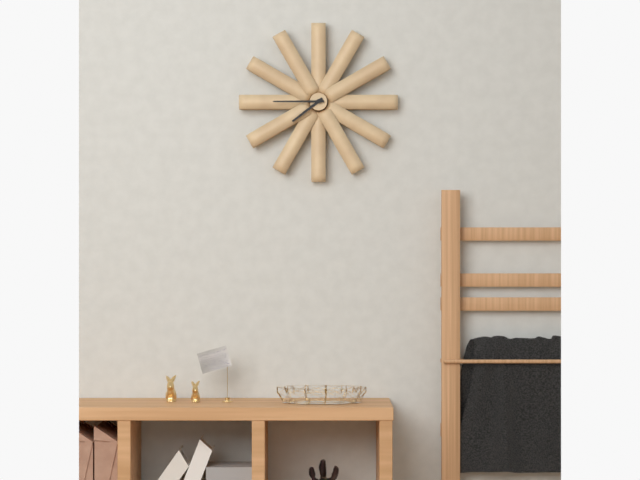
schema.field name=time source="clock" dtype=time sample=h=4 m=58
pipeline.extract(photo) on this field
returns h=7 m=45
